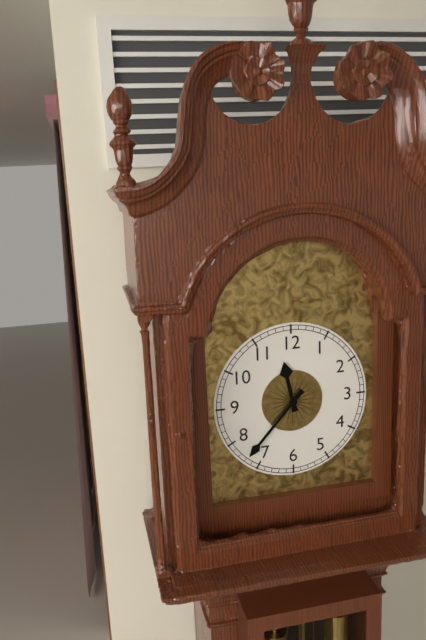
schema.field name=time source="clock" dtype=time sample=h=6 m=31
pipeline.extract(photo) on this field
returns h=11 m=37
